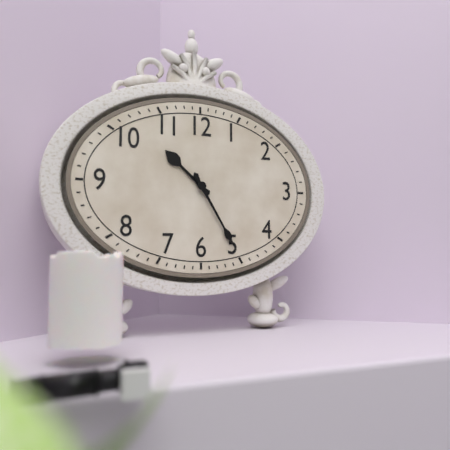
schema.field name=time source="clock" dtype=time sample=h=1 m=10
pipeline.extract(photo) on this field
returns h=10 m=25
